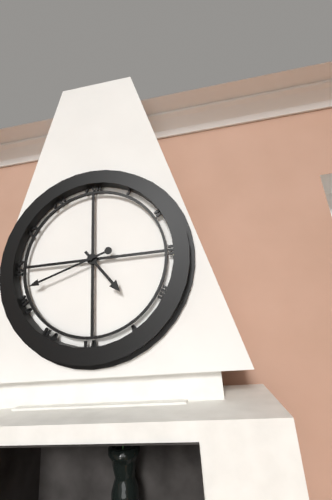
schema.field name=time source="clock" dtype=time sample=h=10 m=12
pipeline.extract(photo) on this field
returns h=4 m=42
